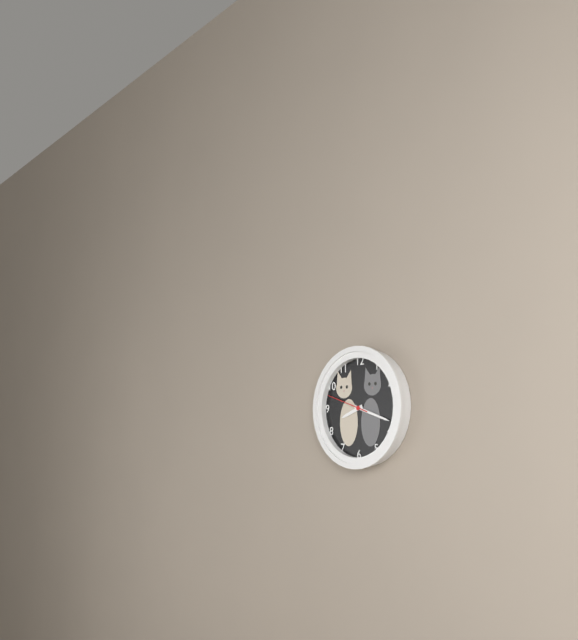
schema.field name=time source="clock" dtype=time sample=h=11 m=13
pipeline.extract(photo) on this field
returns h=8 m=18
